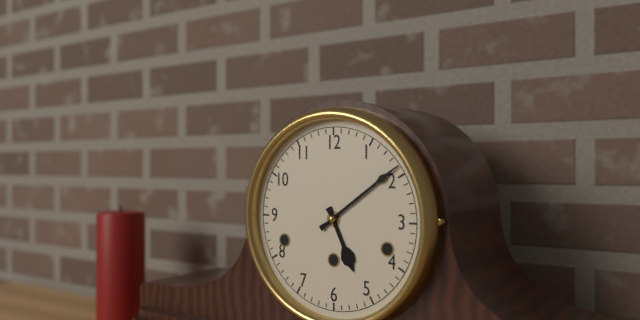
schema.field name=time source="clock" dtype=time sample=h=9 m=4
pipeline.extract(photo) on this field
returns h=5 m=9
